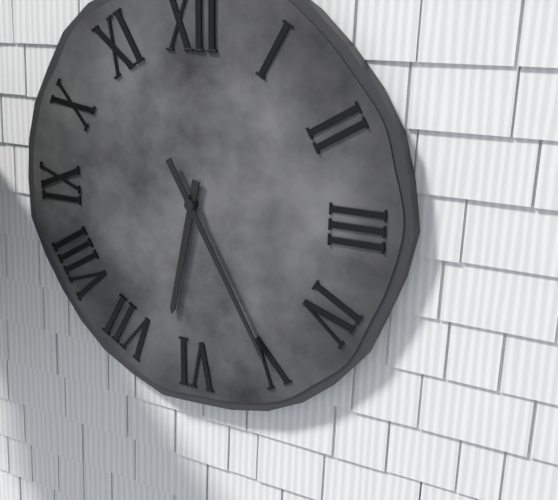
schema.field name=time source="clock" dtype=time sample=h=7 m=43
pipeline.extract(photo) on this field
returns h=6 m=25
